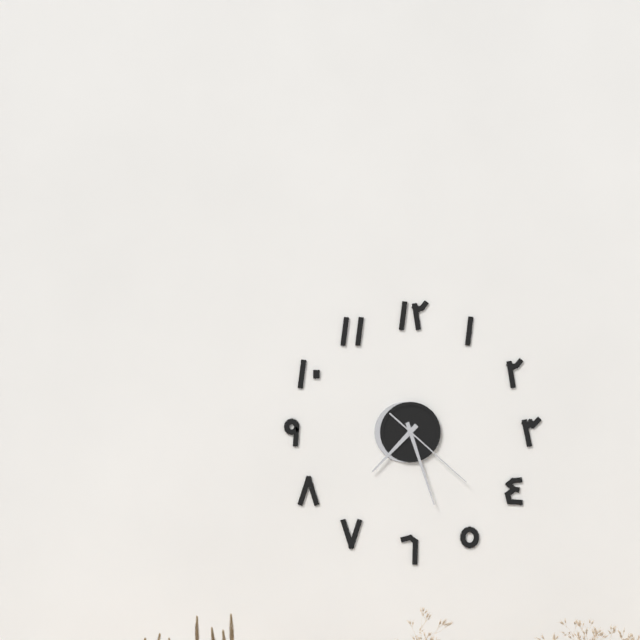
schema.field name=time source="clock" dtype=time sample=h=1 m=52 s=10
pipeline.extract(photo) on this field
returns h=7 m=27 s=22
